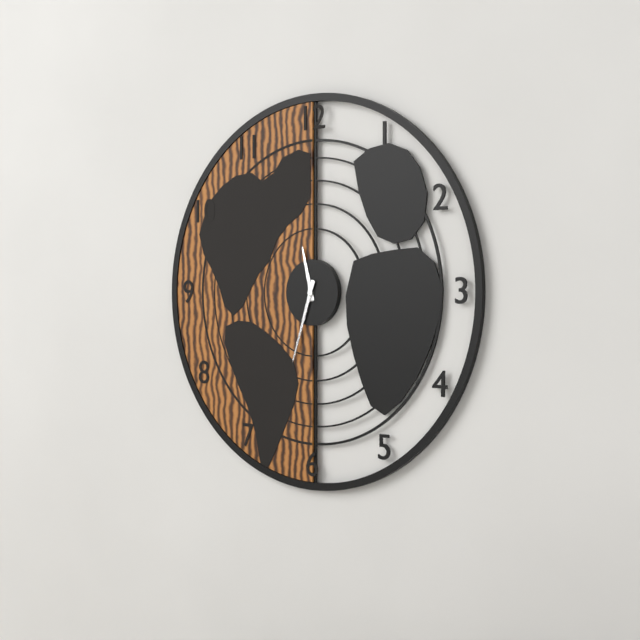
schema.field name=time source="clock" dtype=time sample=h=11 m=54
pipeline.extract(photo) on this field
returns h=11 m=33
